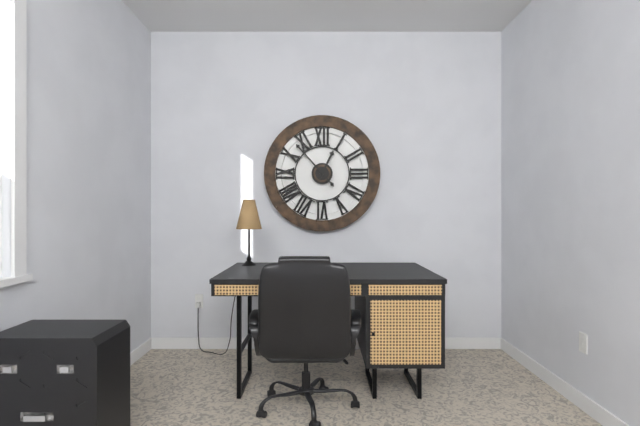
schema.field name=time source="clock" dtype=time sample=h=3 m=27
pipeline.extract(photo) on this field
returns h=12 m=53
